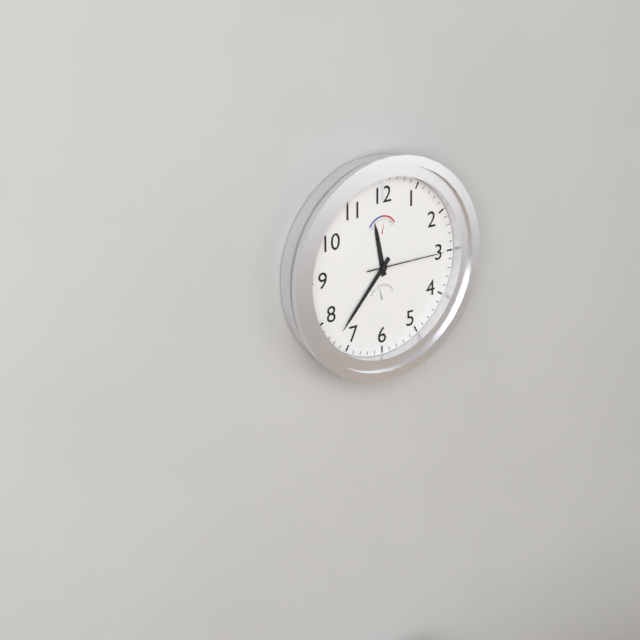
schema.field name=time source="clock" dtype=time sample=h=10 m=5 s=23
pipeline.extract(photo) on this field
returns h=11 m=37 s=15
